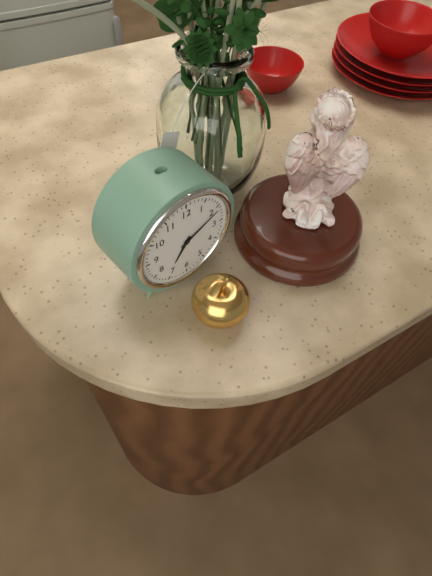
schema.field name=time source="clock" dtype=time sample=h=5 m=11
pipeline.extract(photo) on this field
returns h=7 m=11
